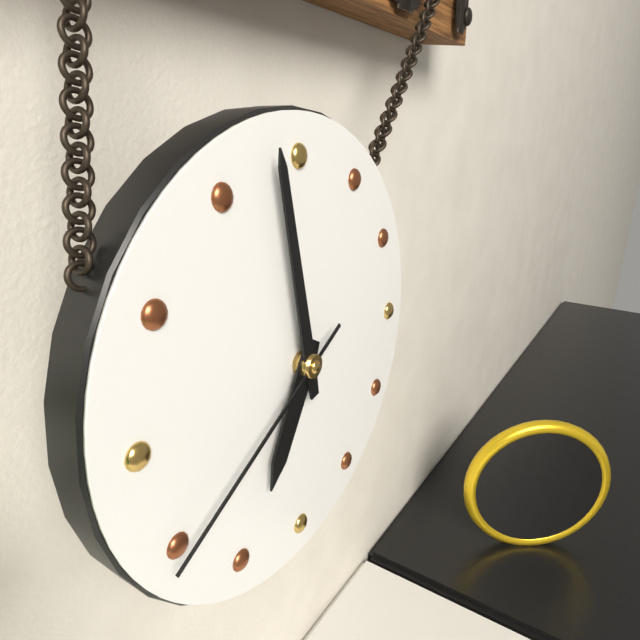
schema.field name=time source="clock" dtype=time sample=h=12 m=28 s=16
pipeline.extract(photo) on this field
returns h=6 m=58 s=40
